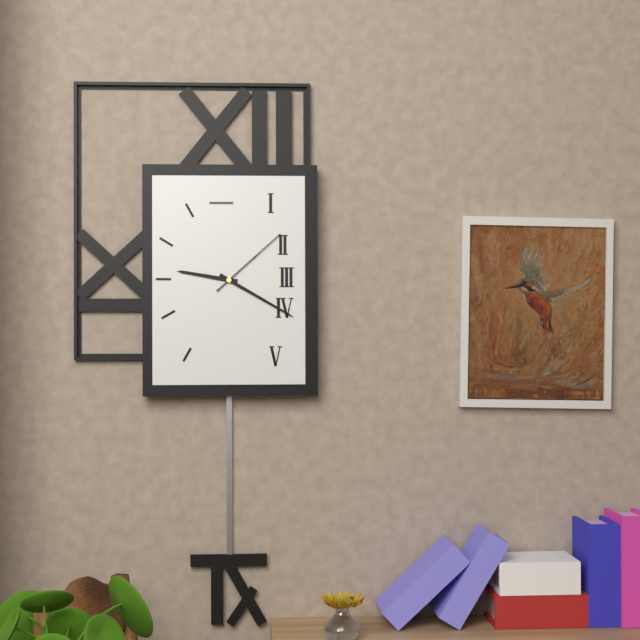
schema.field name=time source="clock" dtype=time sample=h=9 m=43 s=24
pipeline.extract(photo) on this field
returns h=9 m=20 s=8
